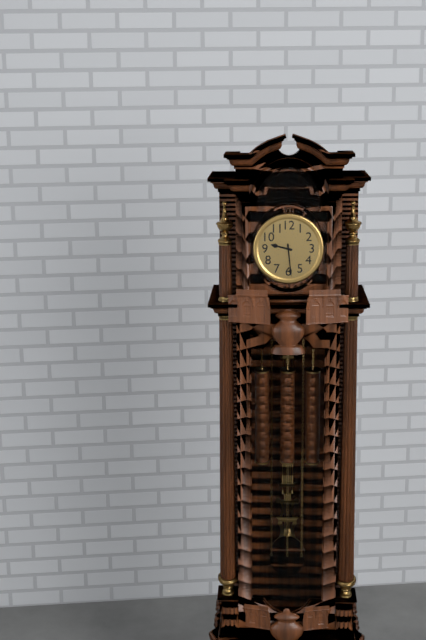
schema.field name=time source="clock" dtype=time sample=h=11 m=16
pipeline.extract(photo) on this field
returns h=9 m=29
